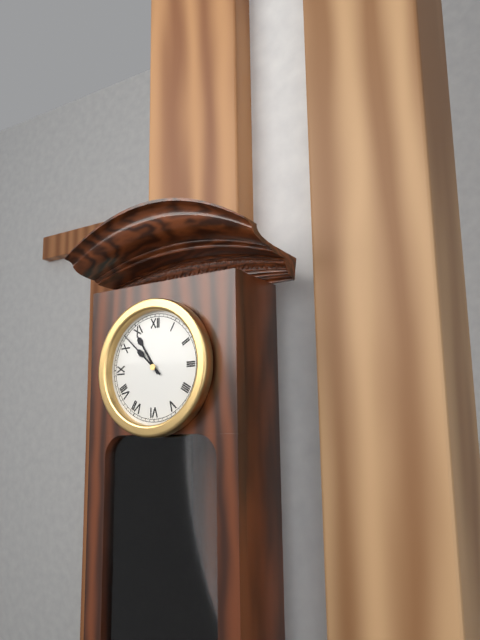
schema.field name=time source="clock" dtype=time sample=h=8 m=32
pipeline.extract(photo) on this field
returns h=10 m=52
